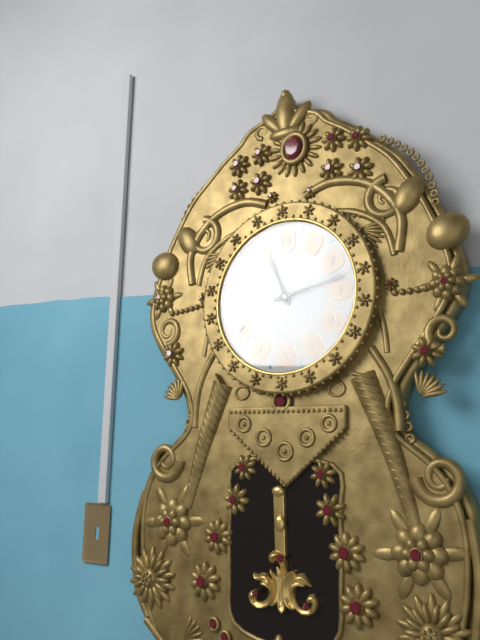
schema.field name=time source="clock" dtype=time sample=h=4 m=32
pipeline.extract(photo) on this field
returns h=11 m=13
